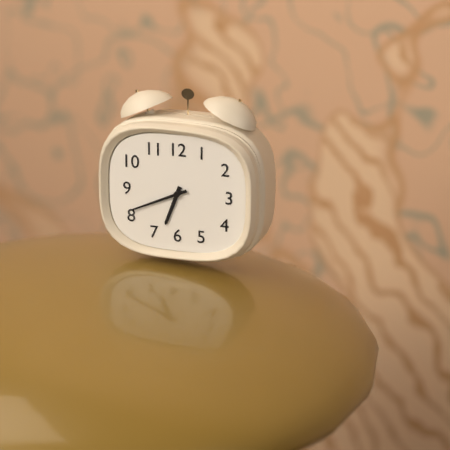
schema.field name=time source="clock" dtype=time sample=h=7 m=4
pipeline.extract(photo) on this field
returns h=6 m=41
